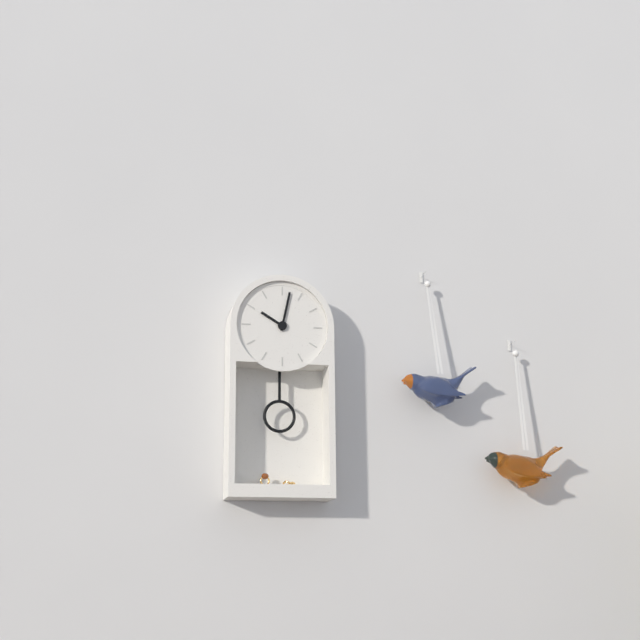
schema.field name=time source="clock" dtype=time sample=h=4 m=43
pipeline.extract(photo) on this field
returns h=10 m=2
